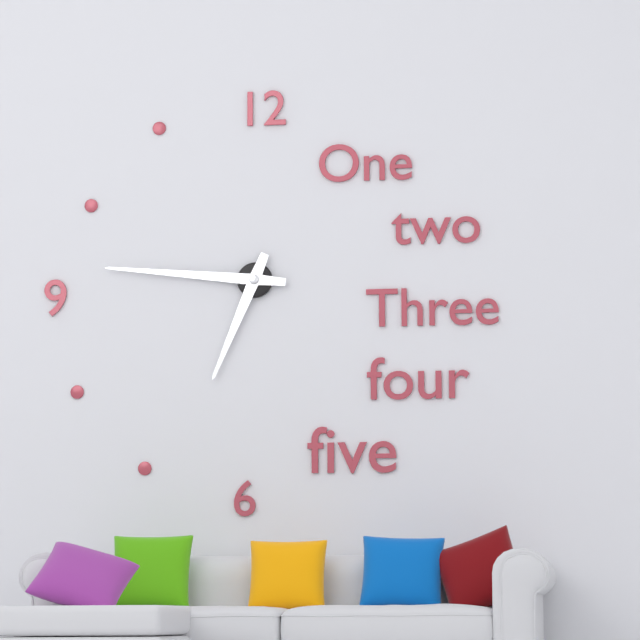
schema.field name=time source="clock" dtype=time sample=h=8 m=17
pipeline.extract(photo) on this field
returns h=6 m=46
